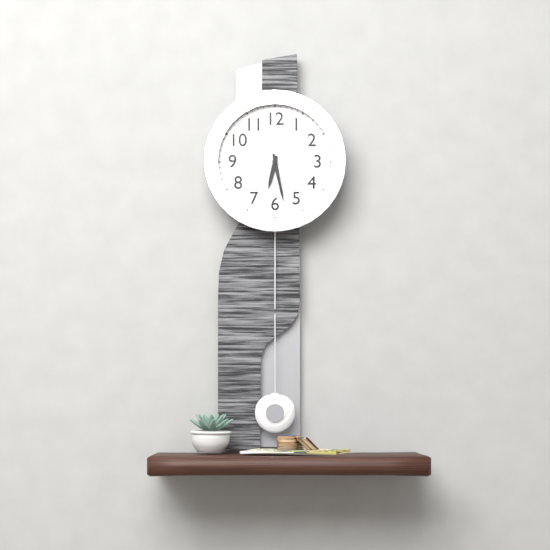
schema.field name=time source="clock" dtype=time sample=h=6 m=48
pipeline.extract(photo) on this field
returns h=6 m=28
